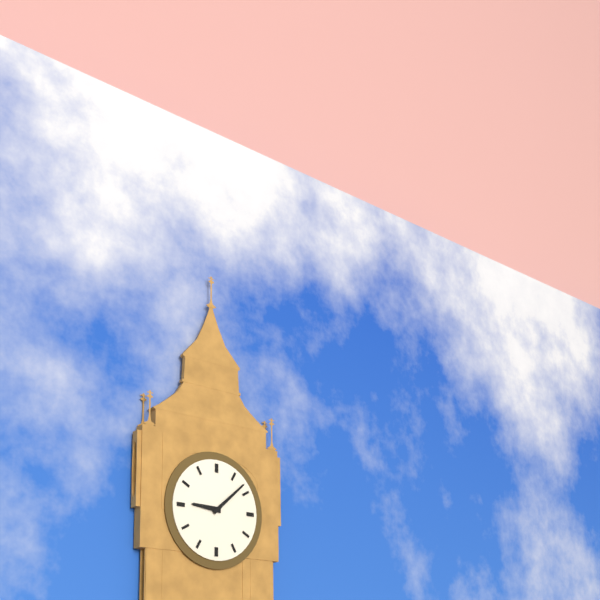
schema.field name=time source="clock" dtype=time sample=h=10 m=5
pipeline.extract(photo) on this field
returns h=9 m=8
